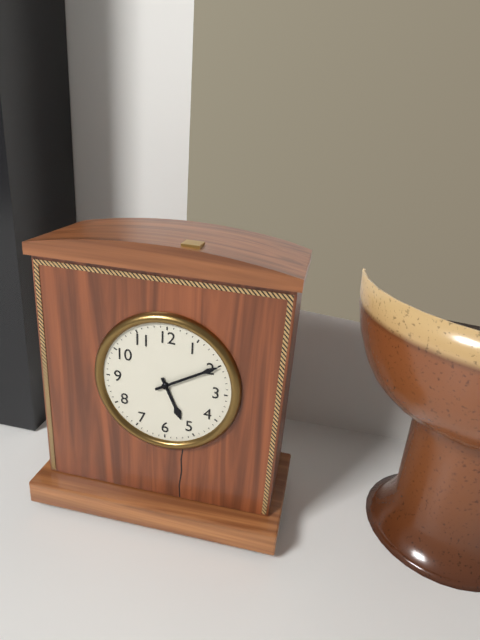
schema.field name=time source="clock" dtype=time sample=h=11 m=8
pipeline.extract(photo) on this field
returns h=5 m=10
